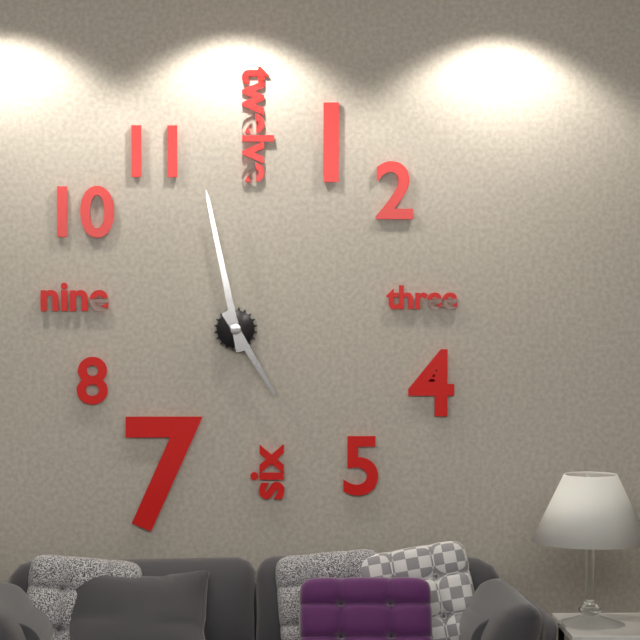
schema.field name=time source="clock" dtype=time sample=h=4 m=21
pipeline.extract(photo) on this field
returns h=4 m=58
